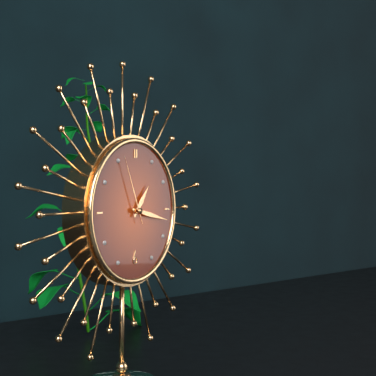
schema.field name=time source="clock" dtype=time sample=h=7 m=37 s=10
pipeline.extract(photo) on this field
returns h=1 m=17 s=56
